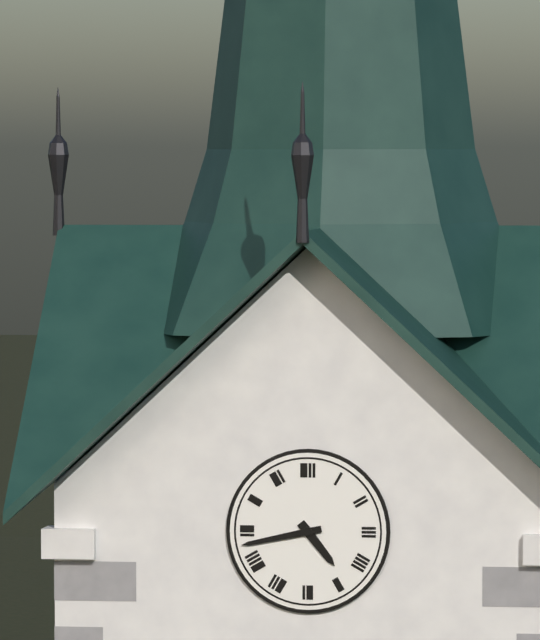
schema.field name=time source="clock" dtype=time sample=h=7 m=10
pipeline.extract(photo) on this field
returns h=4 m=43
